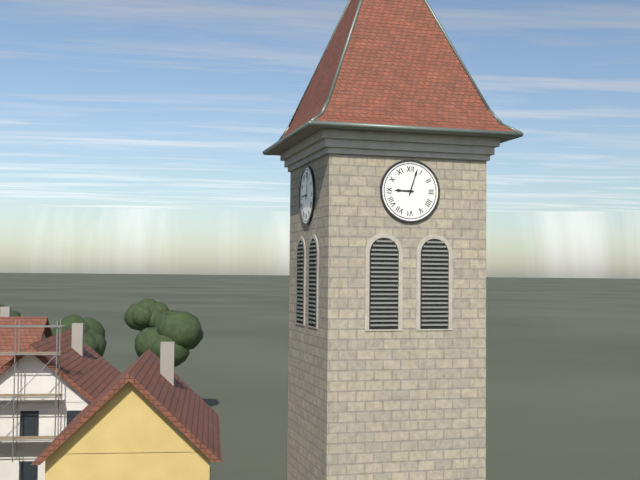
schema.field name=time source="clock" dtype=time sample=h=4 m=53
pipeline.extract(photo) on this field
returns h=9 m=3
